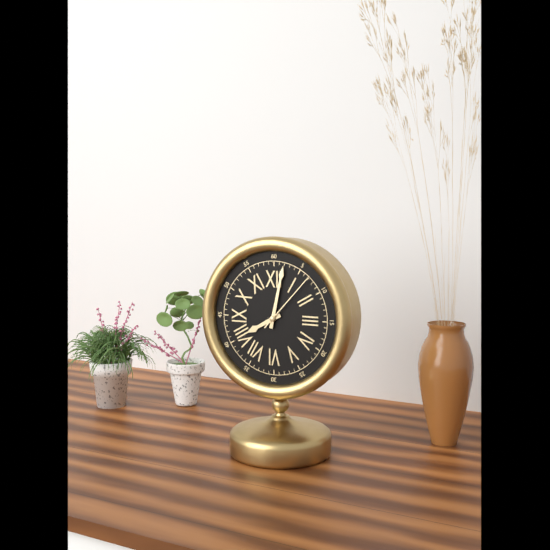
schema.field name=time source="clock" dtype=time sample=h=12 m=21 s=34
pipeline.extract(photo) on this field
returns h=8 m=2 s=7
